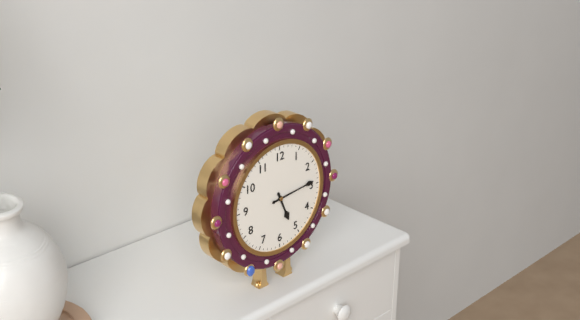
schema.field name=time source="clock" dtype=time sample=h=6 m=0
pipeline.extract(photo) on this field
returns h=5 m=14
